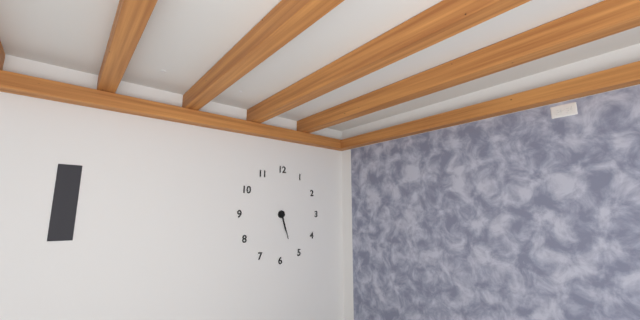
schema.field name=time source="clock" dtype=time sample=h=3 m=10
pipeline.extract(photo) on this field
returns h=5 m=27
